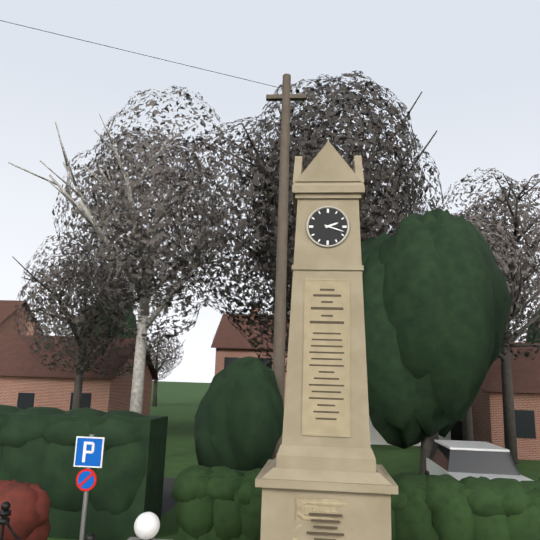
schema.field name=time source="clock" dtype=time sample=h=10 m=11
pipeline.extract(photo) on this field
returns h=2 m=18
